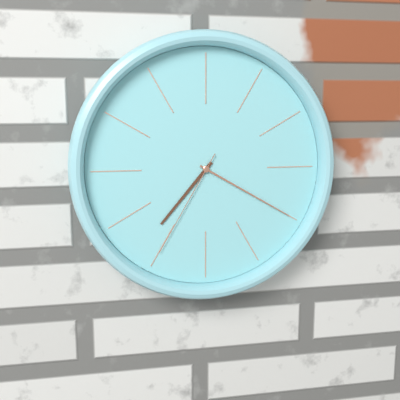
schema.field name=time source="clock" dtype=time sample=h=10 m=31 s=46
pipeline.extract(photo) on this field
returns h=7 m=20 s=35
